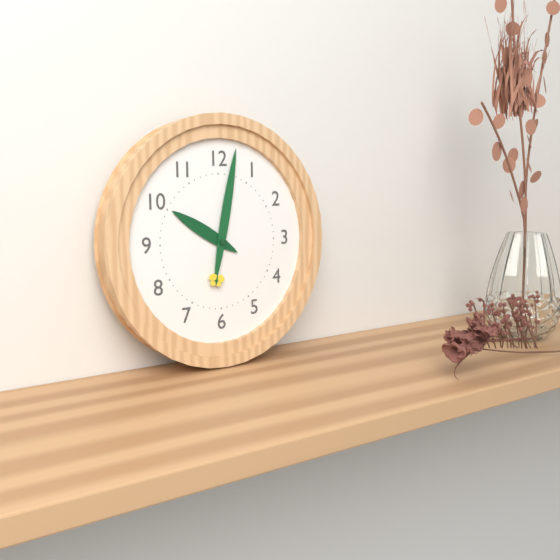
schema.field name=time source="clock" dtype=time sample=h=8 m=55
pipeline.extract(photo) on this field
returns h=10 m=2
